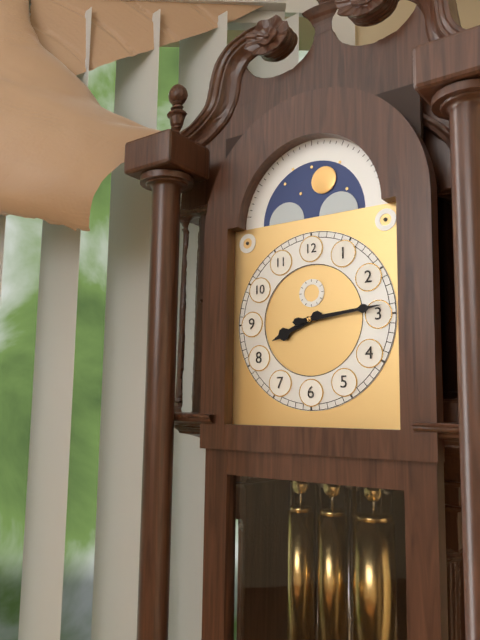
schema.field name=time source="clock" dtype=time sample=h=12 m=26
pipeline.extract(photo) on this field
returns h=8 m=14
